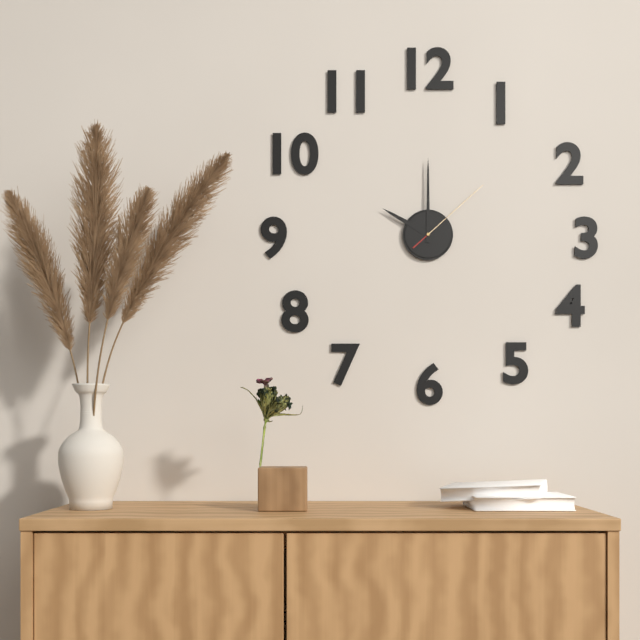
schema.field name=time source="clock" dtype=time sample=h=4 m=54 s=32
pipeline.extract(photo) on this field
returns h=10 m=0 s=8
